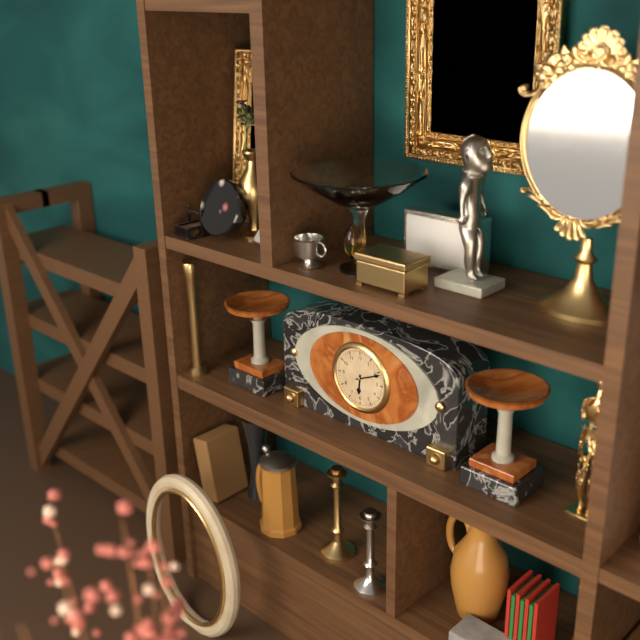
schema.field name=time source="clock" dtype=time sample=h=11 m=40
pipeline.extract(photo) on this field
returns h=6 m=11
